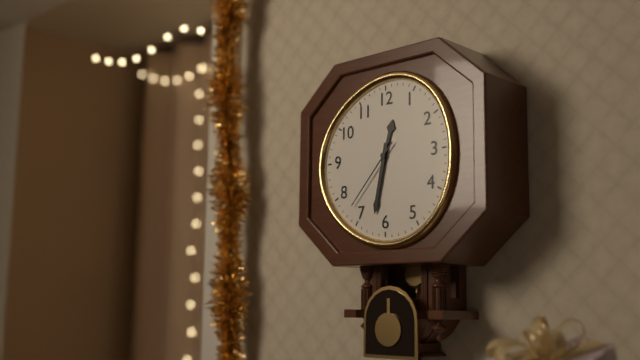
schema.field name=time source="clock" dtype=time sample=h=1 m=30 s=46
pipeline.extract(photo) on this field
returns h=12 m=32 s=37
